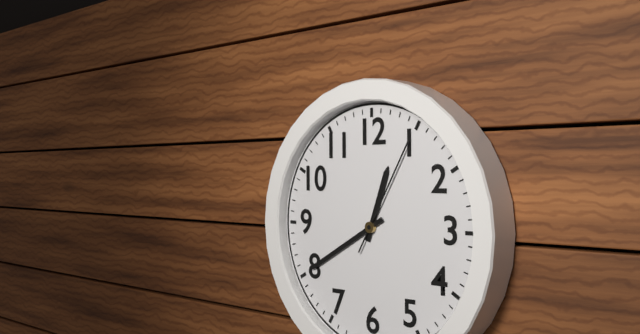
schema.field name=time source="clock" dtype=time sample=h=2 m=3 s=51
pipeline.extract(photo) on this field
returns h=12 m=40 s=5
